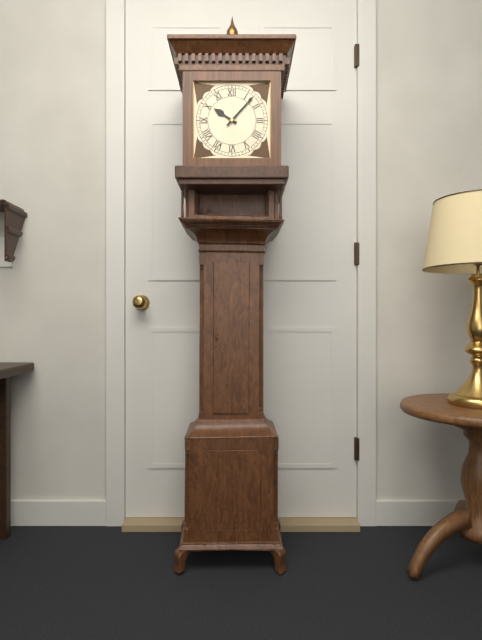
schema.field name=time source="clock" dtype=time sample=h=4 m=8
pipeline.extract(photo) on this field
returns h=10 m=7
